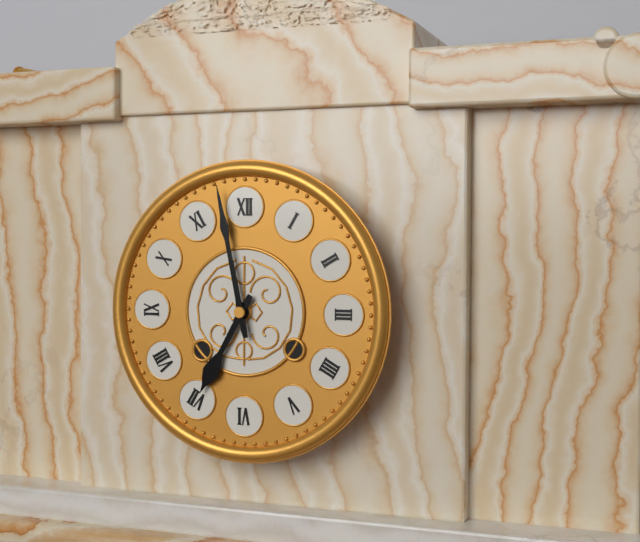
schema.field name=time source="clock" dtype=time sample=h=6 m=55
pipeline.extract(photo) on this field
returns h=6 m=58
